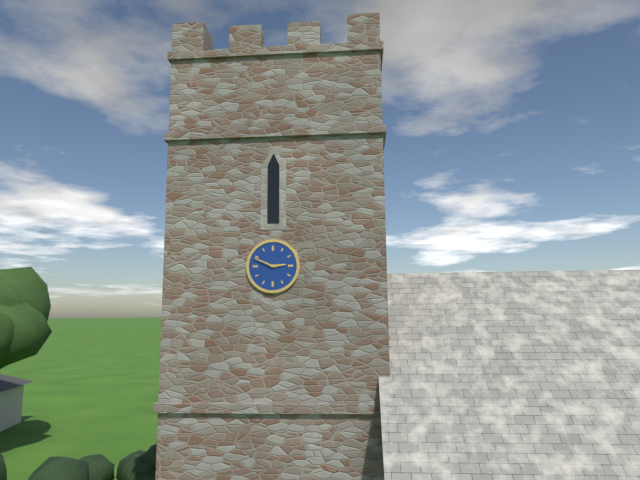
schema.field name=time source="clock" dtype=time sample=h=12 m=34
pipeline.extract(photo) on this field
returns h=2 m=49
